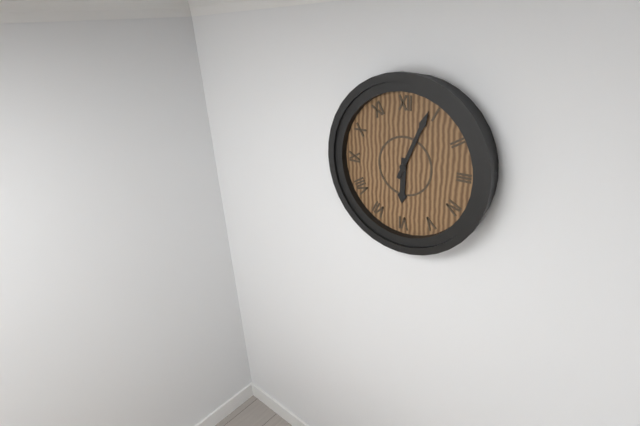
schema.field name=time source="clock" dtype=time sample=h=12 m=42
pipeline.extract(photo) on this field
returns h=6 m=4
